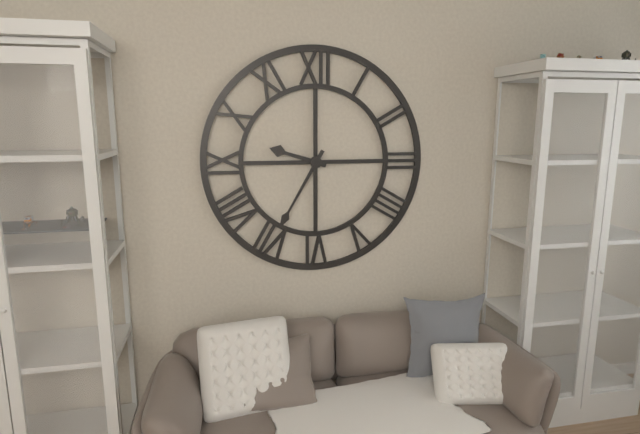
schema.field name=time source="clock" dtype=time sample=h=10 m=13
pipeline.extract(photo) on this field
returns h=9 m=35
